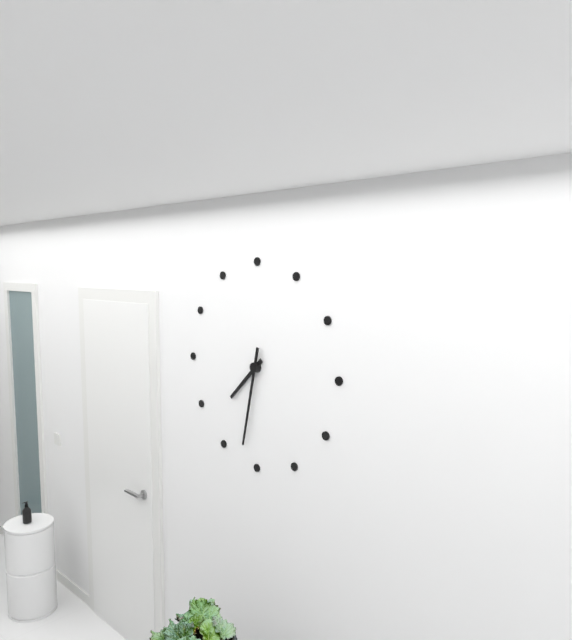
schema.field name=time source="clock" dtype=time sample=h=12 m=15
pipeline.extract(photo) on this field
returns h=7 m=32
